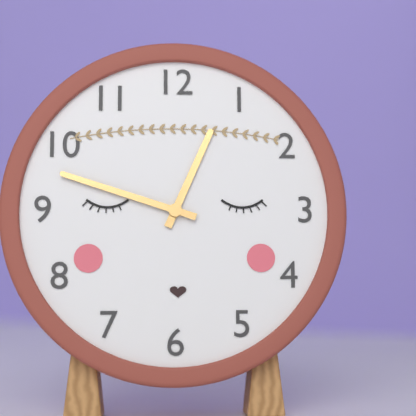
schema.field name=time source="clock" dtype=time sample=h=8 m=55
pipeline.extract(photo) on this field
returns h=12 m=48
